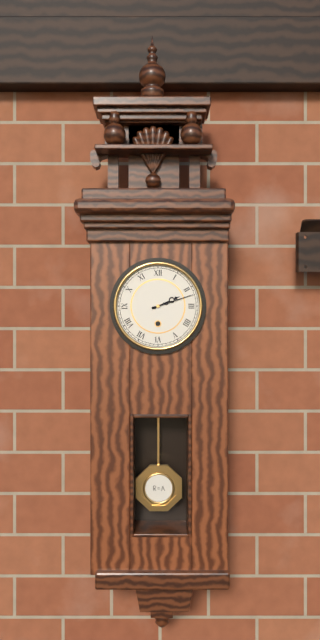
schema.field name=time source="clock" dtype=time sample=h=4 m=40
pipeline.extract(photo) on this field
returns h=2 m=12
